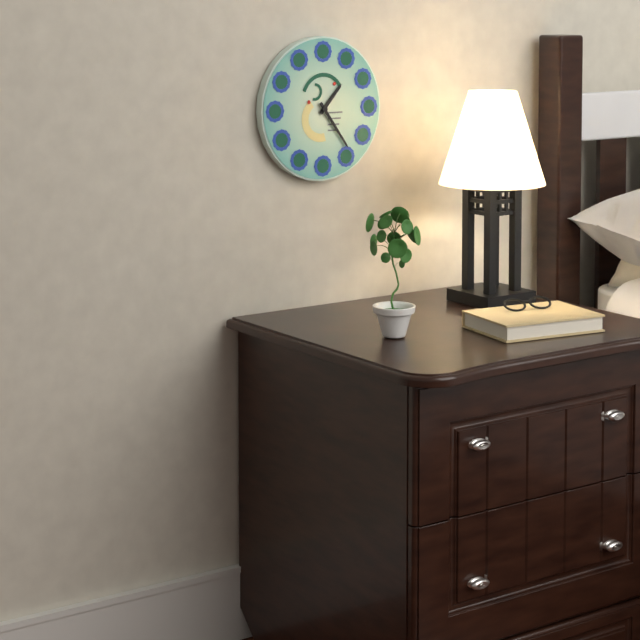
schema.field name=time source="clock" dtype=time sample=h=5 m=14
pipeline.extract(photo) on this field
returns h=1 m=24
